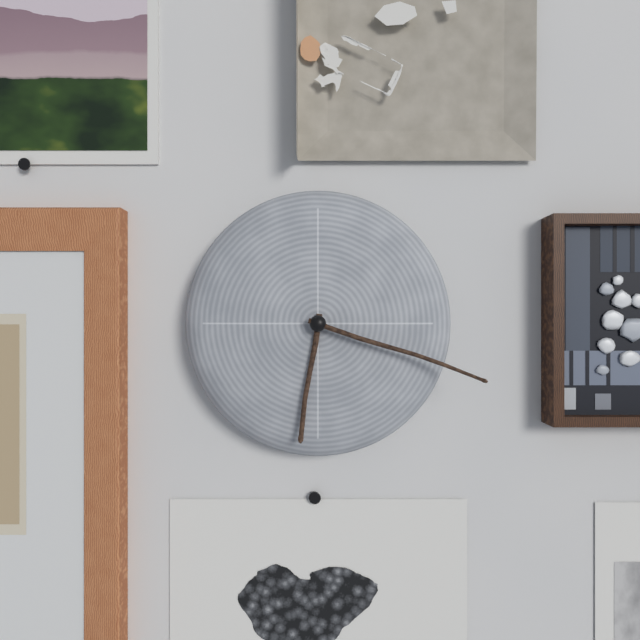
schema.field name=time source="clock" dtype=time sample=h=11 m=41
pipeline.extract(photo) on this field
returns h=6 m=18
